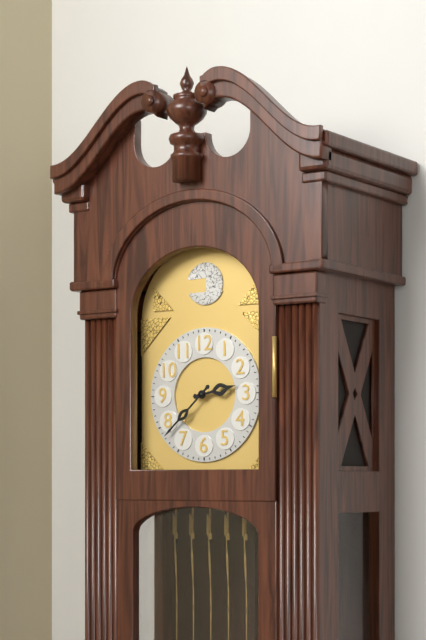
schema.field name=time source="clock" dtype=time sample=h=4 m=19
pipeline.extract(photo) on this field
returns h=2 m=38
